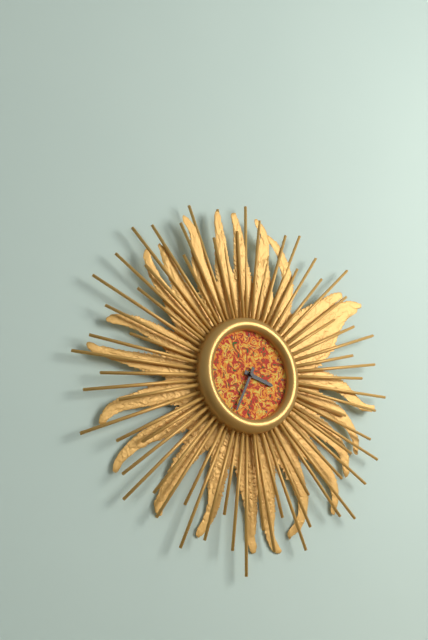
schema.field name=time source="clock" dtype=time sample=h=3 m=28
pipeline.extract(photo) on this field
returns h=3 m=34
